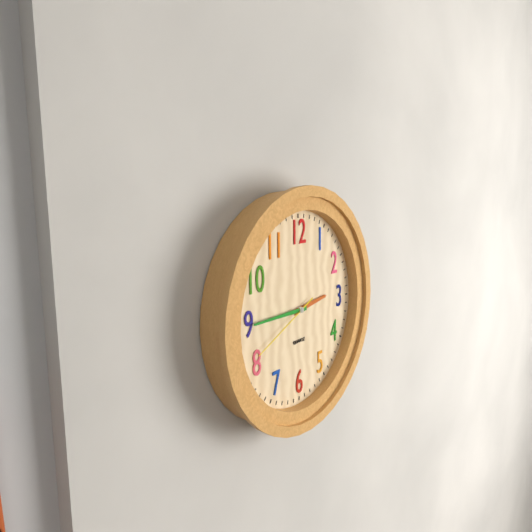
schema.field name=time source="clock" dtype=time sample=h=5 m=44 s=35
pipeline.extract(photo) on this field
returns h=2 m=45 s=41
